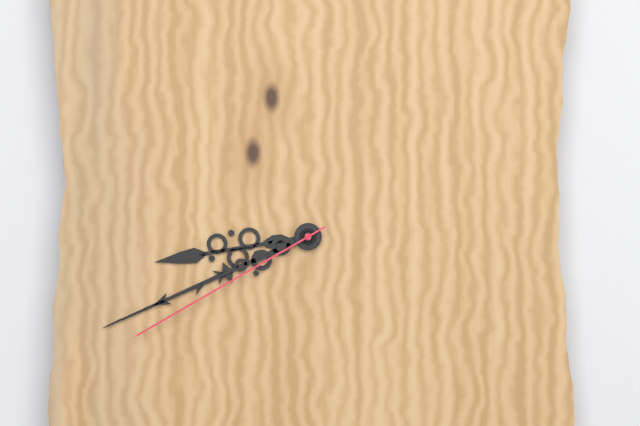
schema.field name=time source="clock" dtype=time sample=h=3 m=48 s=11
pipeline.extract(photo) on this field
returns h=8 m=41 s=40
